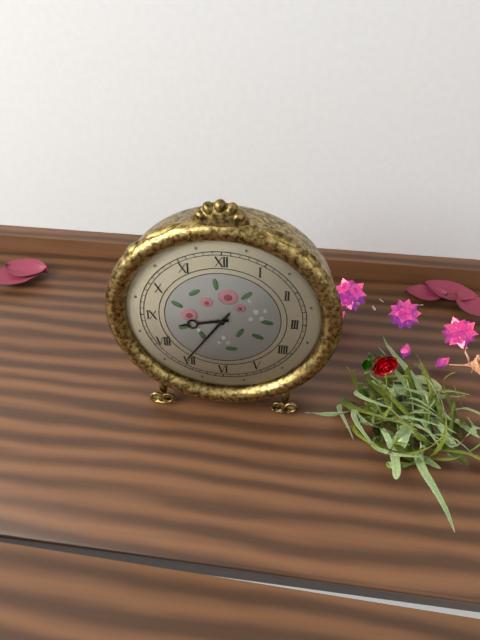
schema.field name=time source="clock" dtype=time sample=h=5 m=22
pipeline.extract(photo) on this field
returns h=8 m=36
